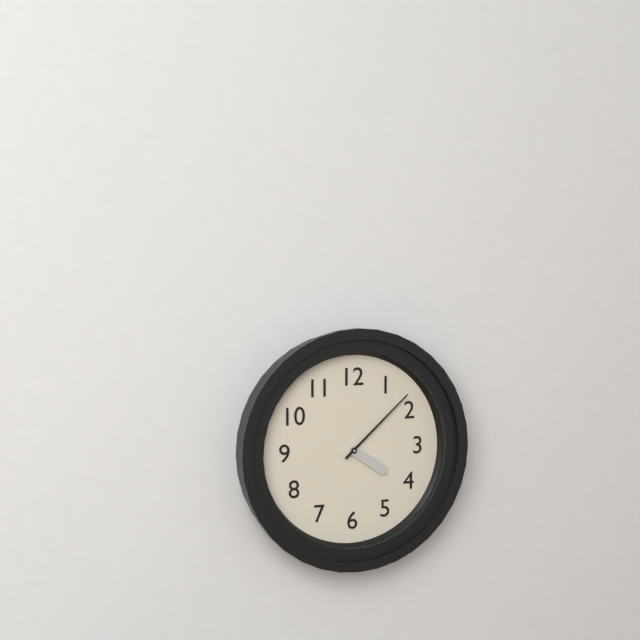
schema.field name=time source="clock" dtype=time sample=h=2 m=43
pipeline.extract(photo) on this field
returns h=4 m=8
